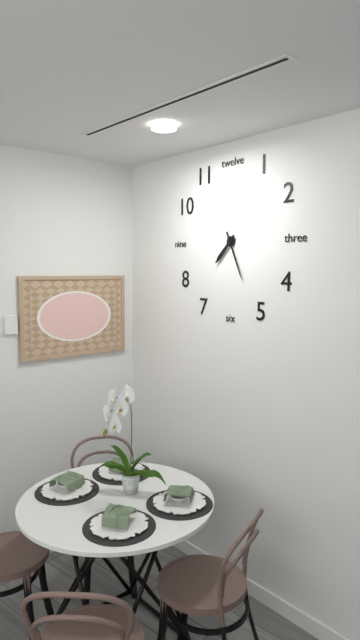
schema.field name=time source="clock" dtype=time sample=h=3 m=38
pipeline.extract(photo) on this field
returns h=7 m=26
